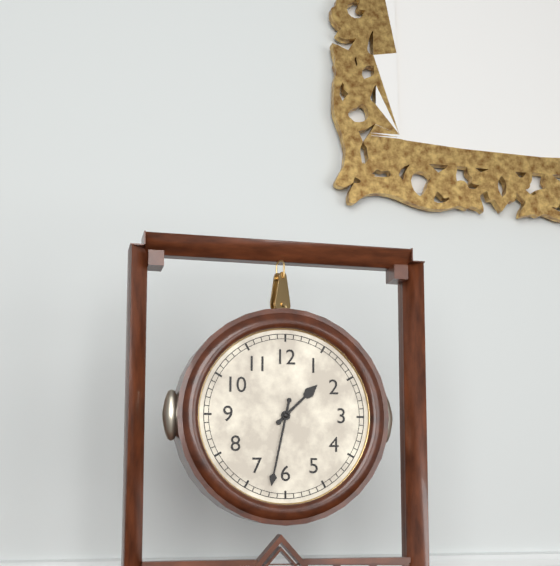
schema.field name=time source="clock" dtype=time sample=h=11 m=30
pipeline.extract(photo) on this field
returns h=1 m=32
